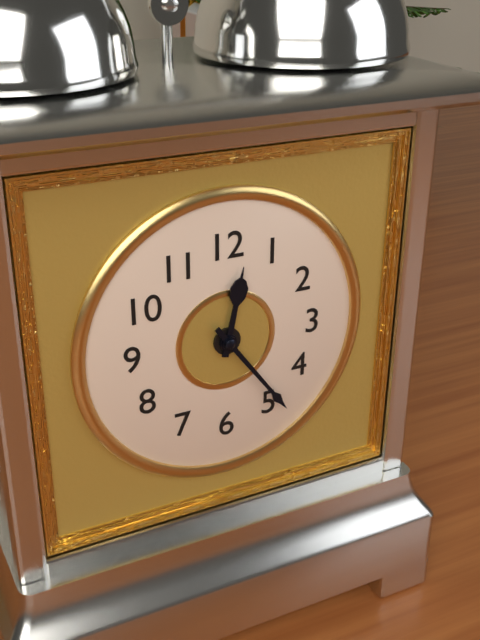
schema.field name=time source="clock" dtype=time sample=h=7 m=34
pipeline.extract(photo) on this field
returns h=12 m=24
